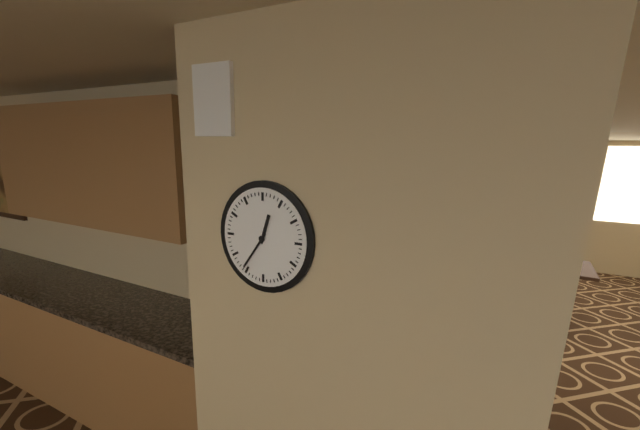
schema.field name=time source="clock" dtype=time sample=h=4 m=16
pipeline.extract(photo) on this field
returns h=12 m=36
